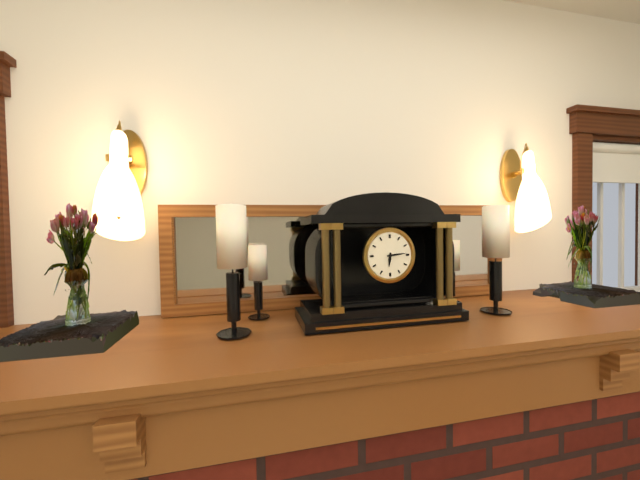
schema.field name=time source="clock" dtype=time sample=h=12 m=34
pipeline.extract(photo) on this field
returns h=6 m=14
